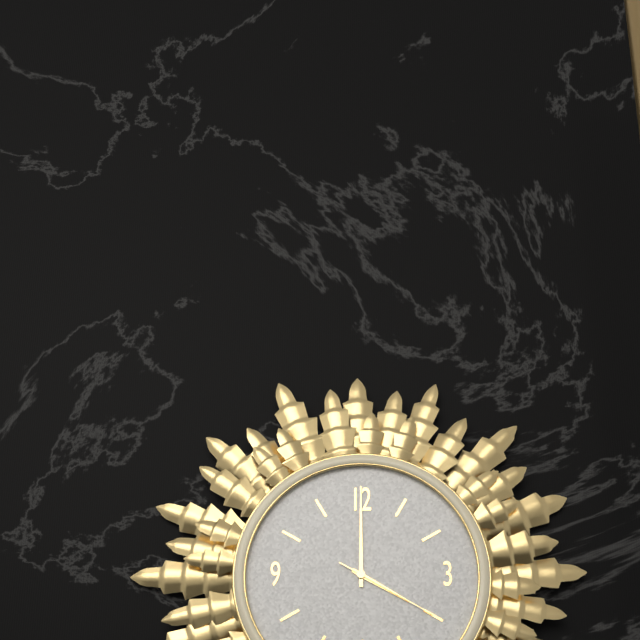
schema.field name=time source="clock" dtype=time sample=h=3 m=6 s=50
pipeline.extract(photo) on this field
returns h=4 m=0 s=20
